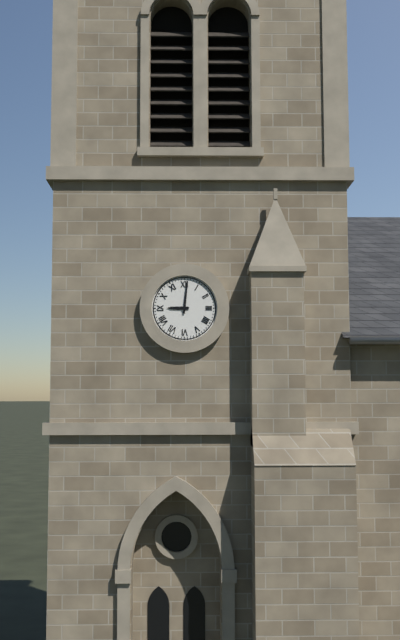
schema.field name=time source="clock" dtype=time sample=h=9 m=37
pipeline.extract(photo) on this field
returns h=9 m=1
